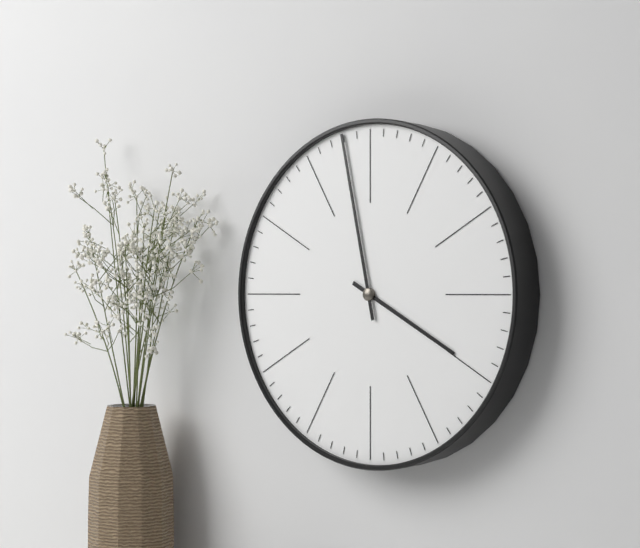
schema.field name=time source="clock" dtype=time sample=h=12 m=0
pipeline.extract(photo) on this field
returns h=3 m=58
